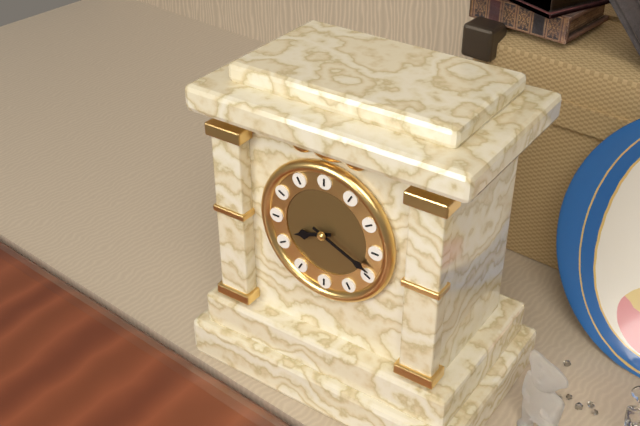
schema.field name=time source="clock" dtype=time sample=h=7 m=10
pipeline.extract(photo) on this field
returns h=8 m=19
